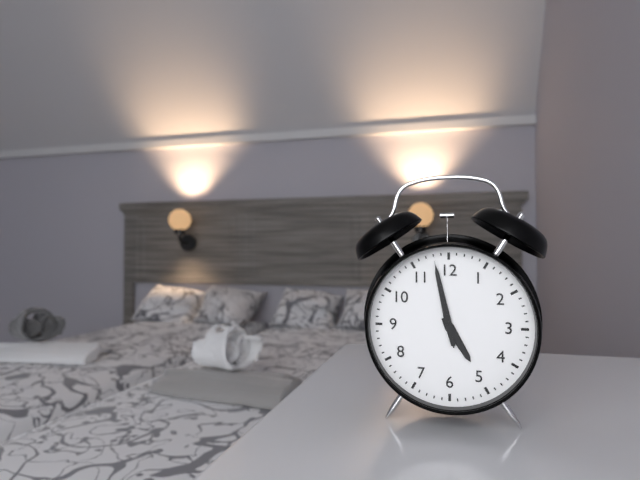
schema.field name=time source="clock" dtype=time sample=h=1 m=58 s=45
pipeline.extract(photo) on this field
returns h=4 m=58 s=58
